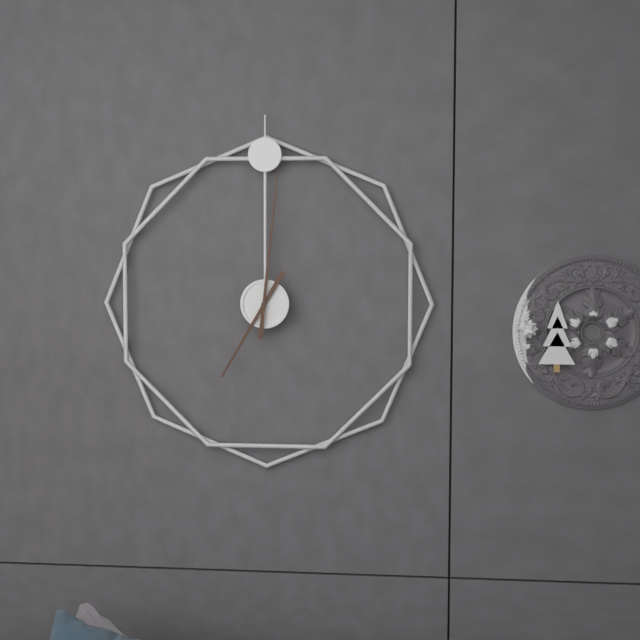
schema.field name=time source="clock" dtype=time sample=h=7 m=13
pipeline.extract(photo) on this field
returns h=7 m=1
